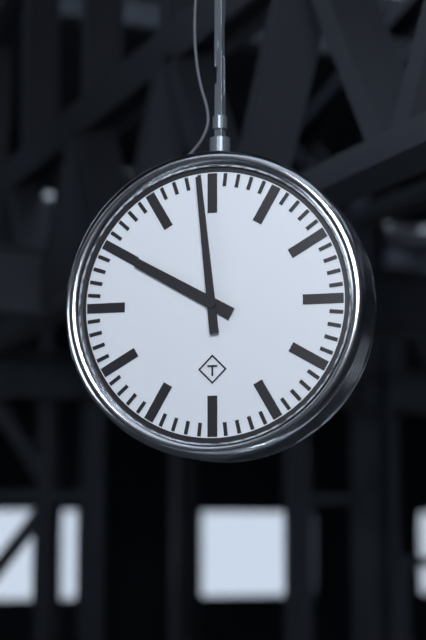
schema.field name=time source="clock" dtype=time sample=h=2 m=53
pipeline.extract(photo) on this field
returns h=9 m=59
